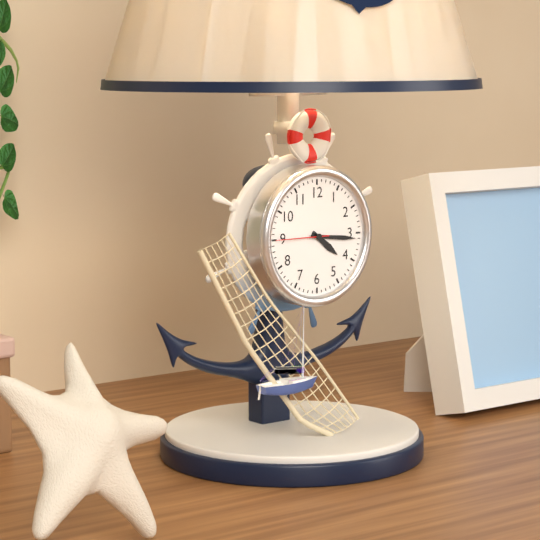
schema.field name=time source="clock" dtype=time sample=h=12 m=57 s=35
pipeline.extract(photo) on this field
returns h=4 m=16 s=45
